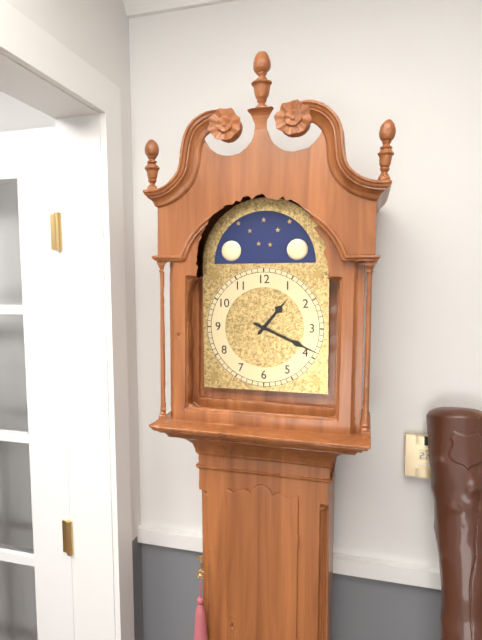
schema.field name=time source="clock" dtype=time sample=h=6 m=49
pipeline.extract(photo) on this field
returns h=1 m=19
